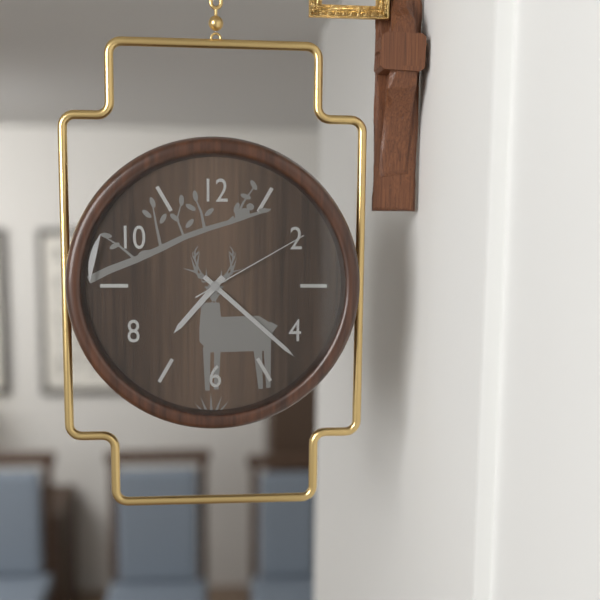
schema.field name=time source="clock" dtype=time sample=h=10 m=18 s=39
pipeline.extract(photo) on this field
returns h=7 m=22 s=10
